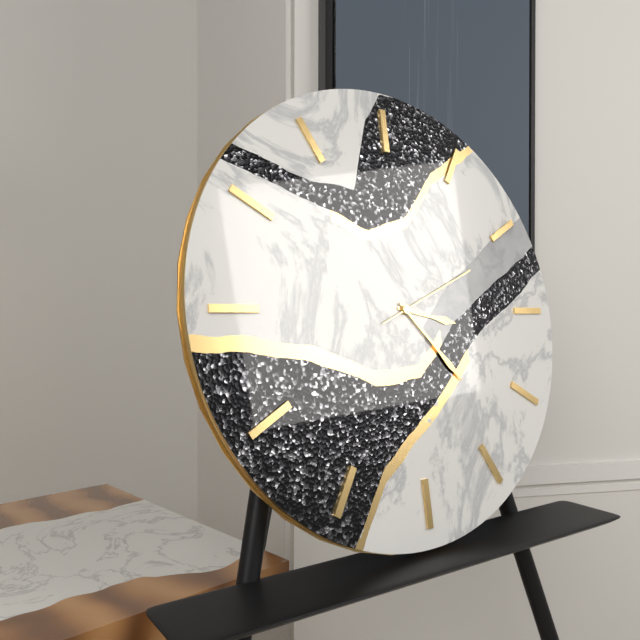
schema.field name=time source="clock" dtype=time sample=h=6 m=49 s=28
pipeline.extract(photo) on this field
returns h=3 m=23 s=11
